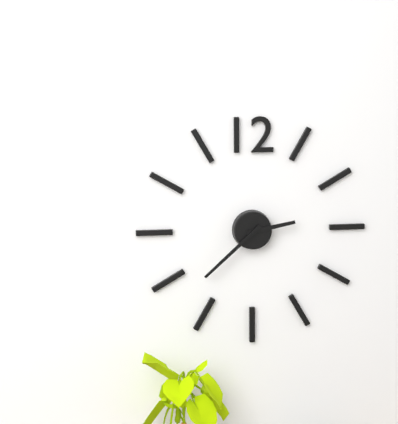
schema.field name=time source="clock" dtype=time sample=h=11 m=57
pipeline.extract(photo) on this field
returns h=2 m=38
